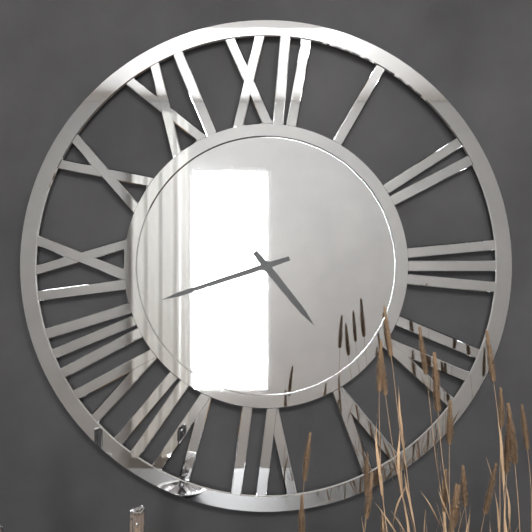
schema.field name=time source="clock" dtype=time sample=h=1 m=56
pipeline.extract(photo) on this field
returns h=4 m=42
